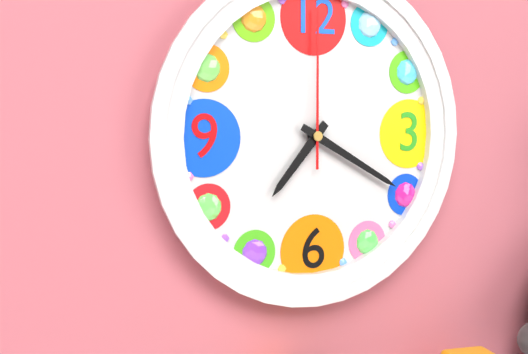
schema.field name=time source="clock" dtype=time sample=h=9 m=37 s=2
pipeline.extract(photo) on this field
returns h=7 m=20 s=0
